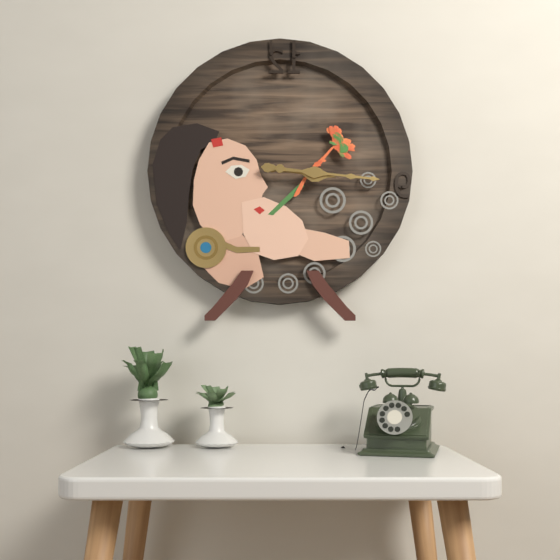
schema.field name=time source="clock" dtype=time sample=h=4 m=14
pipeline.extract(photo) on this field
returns h=3 m=16
